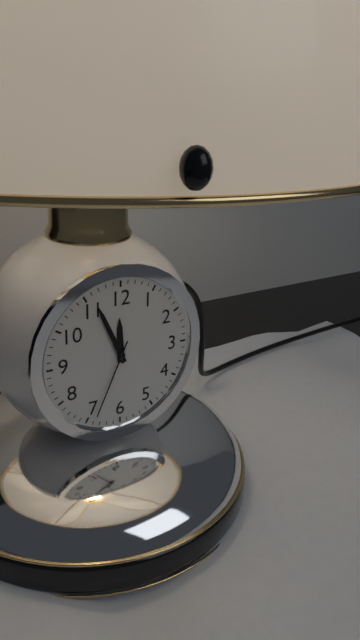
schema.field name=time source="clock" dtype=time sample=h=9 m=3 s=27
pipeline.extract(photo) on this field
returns h=11 m=56 s=34
